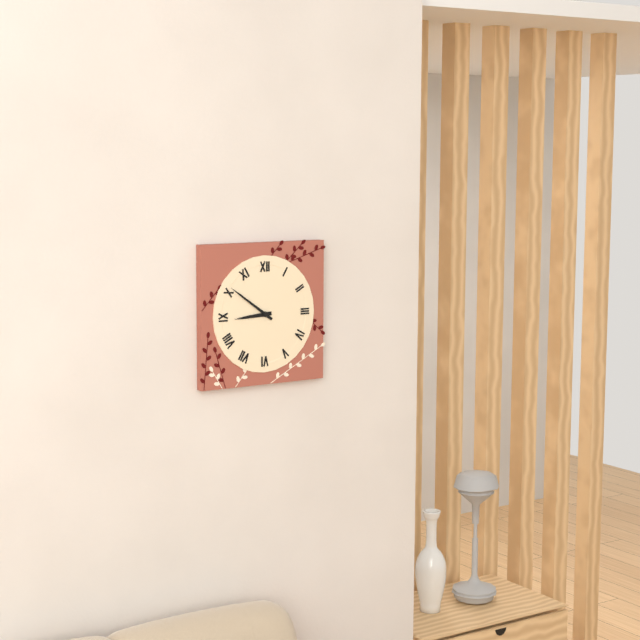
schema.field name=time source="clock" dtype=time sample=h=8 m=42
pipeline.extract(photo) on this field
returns h=8 m=51
